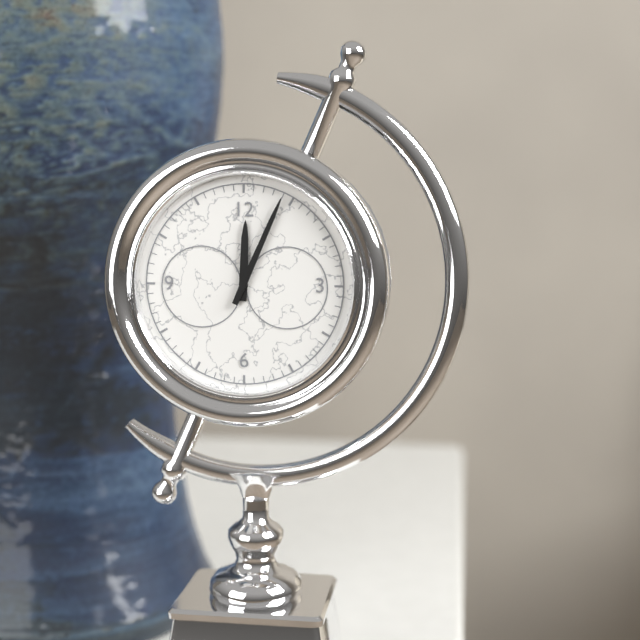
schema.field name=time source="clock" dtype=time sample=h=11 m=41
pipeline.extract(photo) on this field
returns h=12 m=4
